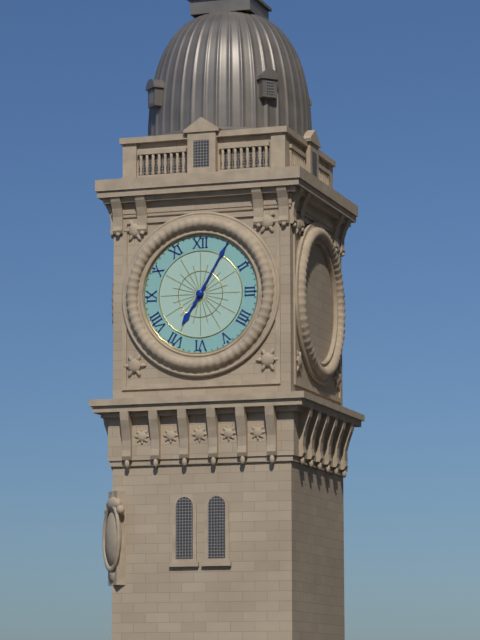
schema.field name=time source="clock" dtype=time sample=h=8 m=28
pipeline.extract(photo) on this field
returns h=7 m=5
